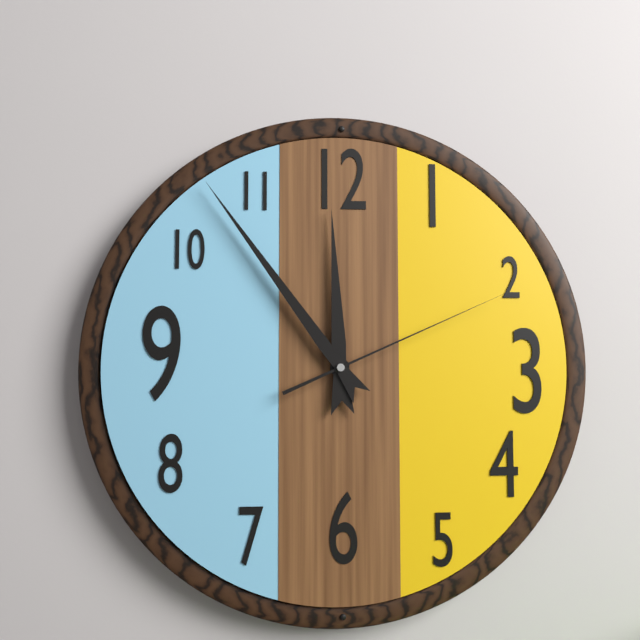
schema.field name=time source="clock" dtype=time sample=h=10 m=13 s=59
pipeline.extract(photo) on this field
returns h=11 m=54 s=11
